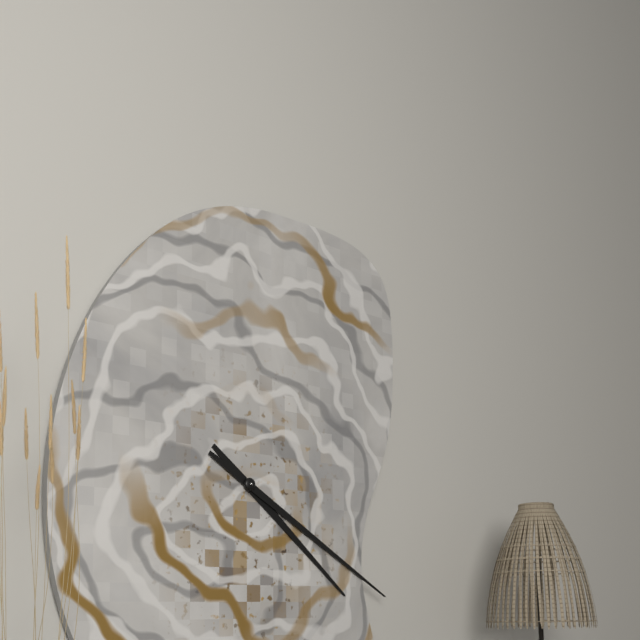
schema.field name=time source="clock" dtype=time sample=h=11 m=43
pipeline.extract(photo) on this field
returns h=4 m=20
